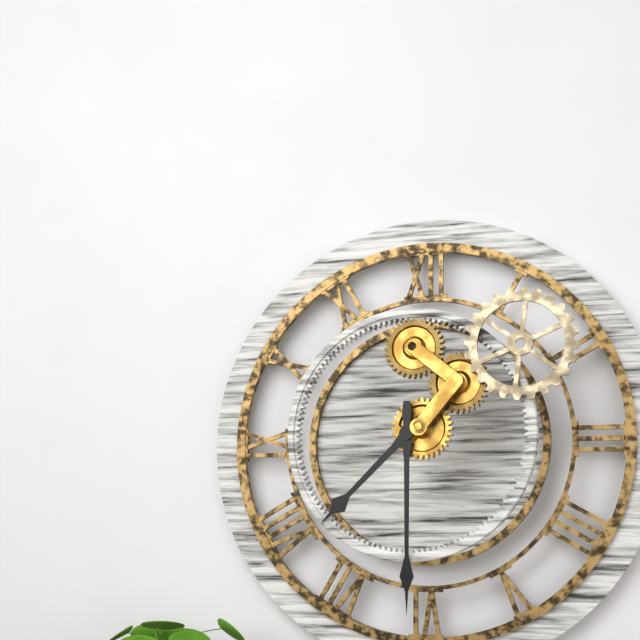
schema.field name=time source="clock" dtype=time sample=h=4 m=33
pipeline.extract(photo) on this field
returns h=7 m=30
